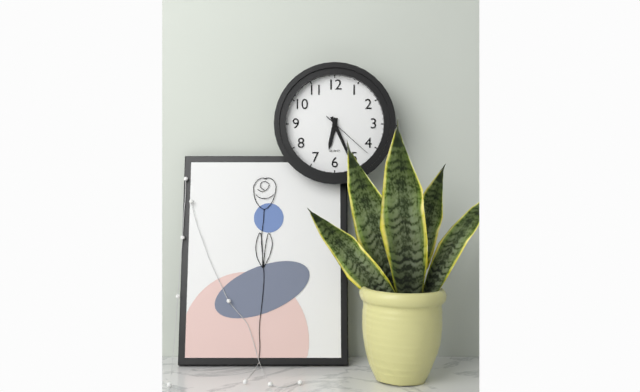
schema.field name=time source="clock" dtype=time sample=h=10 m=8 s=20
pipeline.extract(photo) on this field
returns h=6 m=26 s=22
